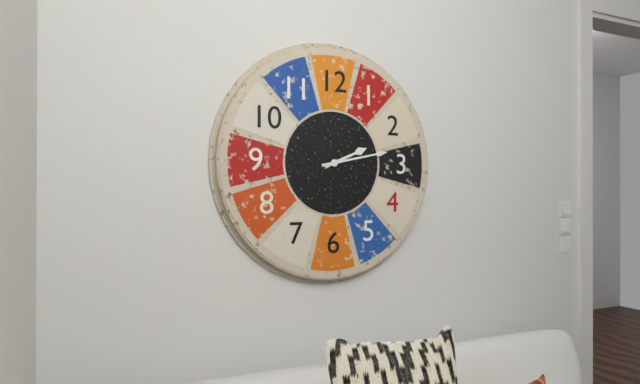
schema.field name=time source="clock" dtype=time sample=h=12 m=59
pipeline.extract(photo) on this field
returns h=2 m=13
